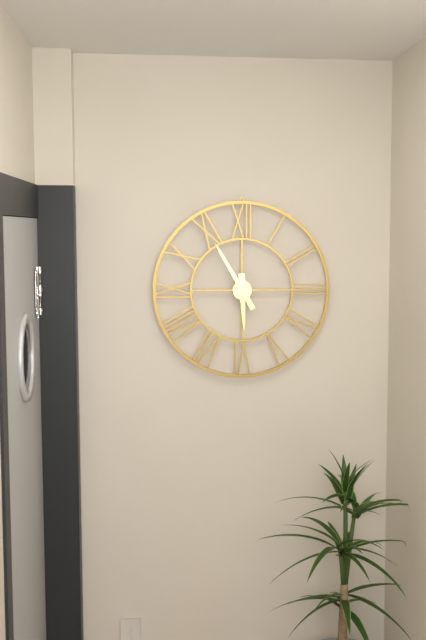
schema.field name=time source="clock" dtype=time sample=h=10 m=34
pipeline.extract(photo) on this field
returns h=5 m=55
